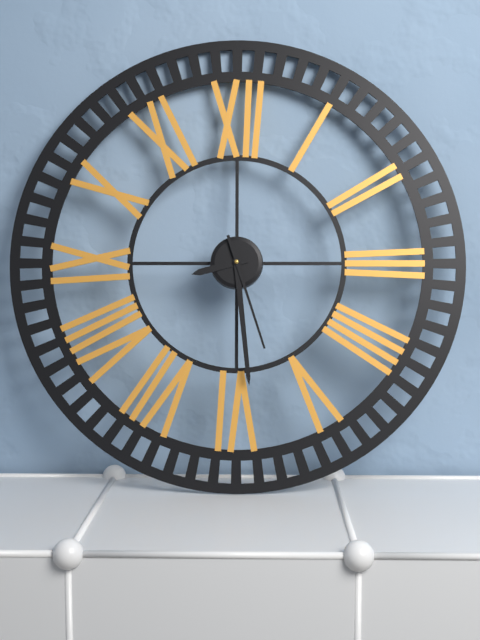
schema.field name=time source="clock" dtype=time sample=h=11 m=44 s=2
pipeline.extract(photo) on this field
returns h=8 m=29 s=27
